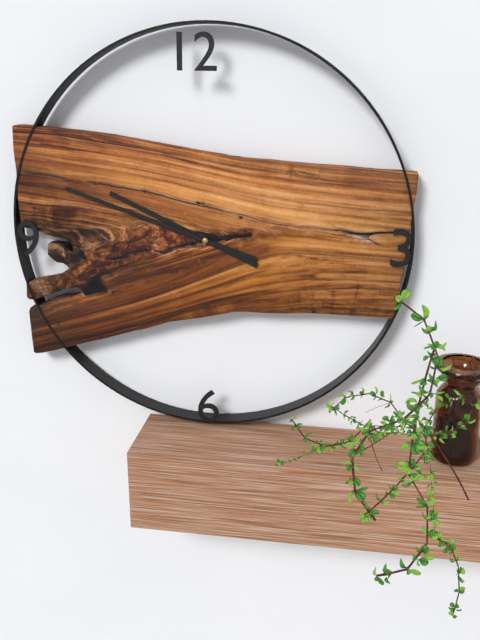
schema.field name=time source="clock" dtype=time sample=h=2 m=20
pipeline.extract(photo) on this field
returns h=9 m=48
